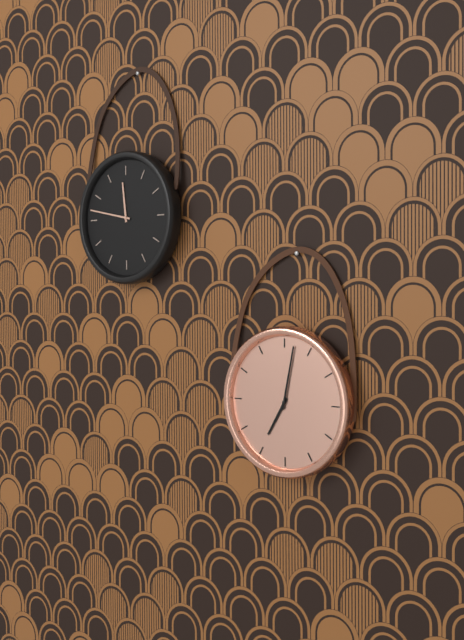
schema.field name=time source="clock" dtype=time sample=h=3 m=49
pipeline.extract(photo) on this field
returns h=7 m=2
